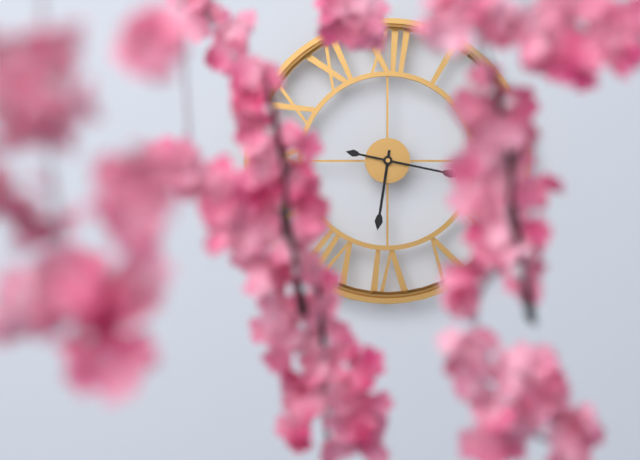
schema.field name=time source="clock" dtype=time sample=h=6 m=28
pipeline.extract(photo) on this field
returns h=6 m=17
